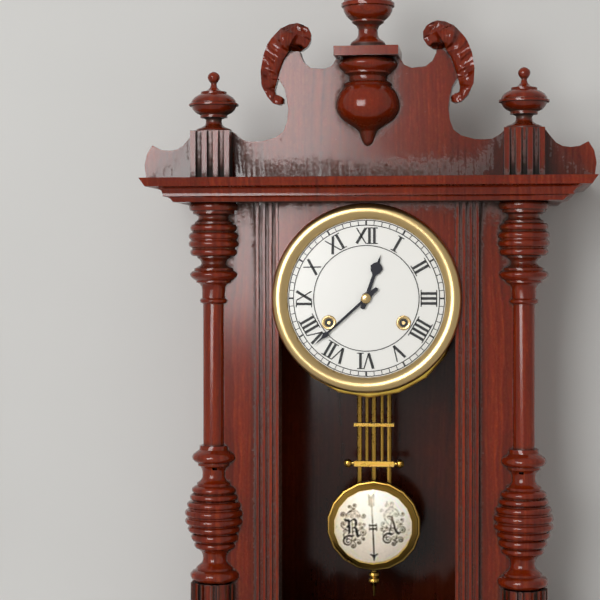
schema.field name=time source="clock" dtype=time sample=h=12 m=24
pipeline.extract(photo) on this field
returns h=12 m=38
